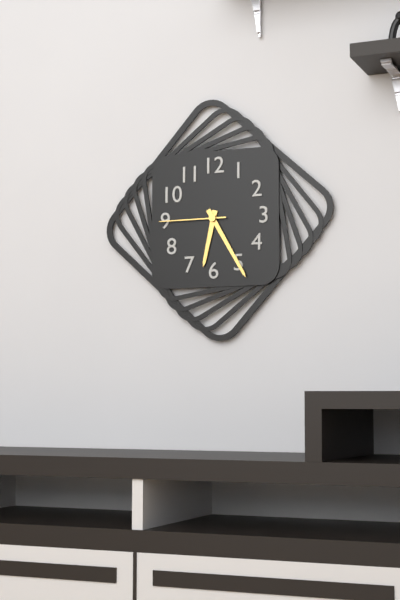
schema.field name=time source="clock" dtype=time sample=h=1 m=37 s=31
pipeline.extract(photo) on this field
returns h=6 m=25 s=45
